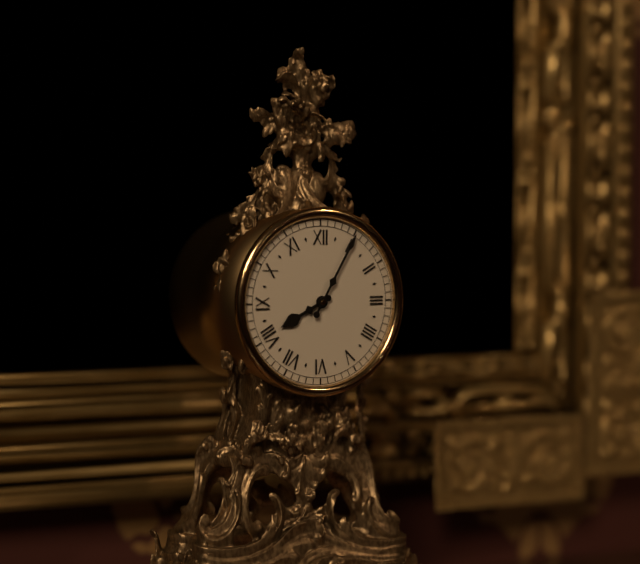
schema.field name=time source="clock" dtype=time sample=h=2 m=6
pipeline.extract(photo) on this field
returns h=8 m=5
